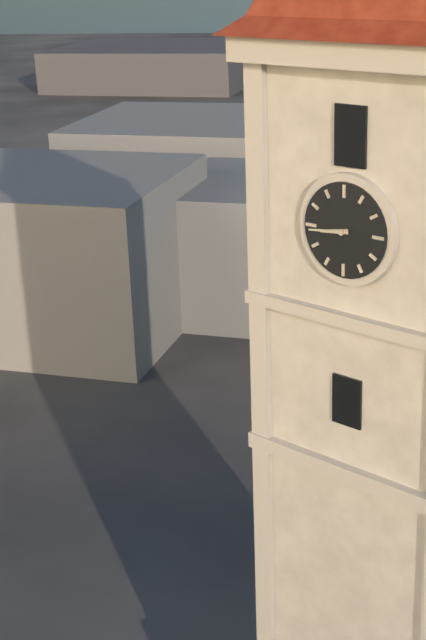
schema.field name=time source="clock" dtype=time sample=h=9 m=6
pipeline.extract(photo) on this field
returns h=8 m=44
